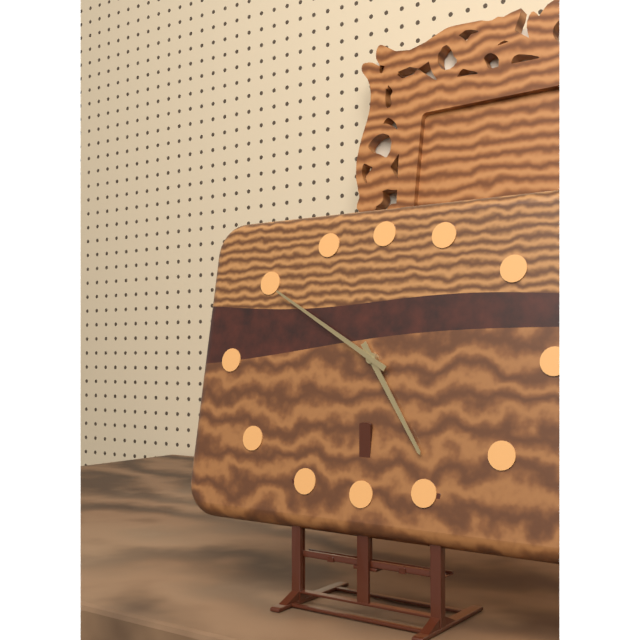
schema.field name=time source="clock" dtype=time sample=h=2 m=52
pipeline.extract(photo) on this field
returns h=4 m=50
